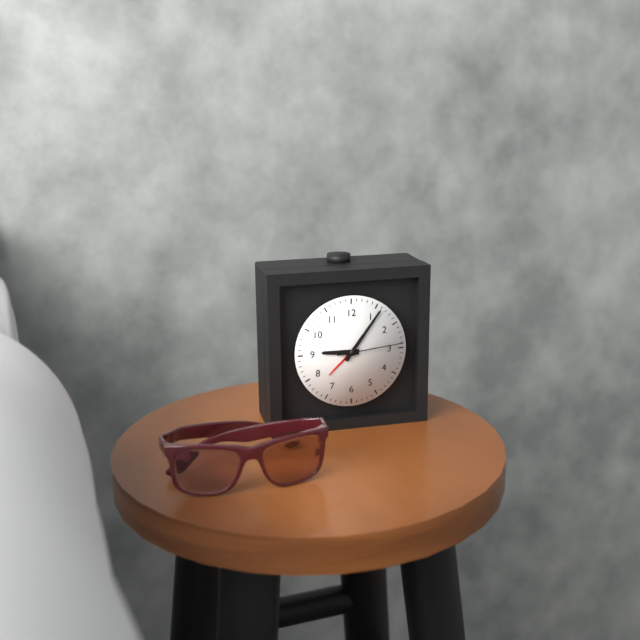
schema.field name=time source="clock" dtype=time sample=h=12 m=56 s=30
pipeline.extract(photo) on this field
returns h=9 m=6 s=14
